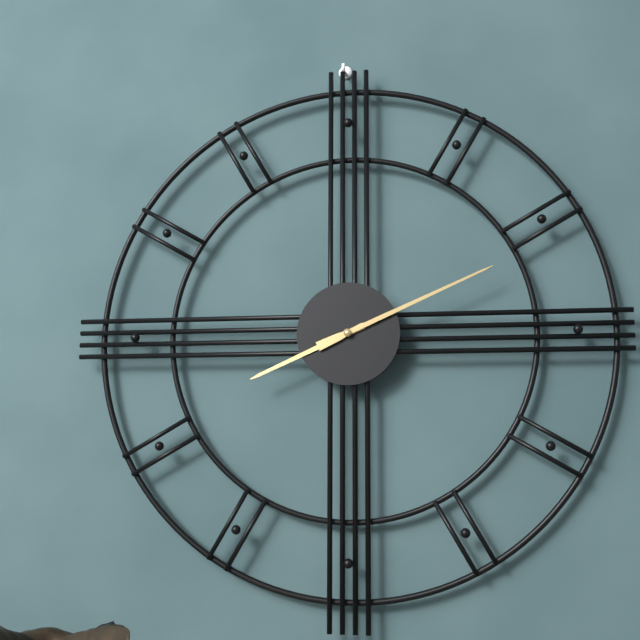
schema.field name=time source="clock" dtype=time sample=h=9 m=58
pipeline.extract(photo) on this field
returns h=8 m=11
